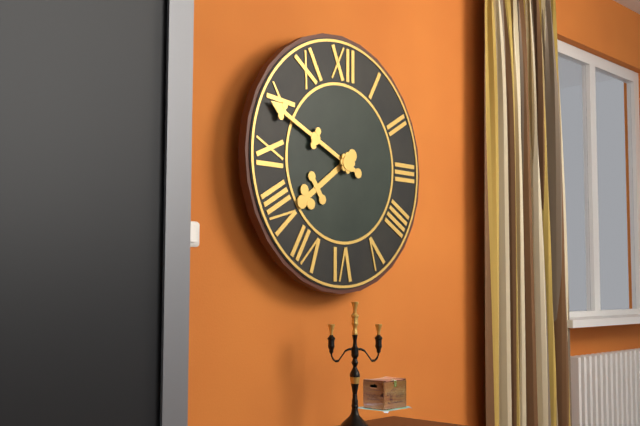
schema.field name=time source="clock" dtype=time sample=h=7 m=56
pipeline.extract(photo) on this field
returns h=7 m=49
